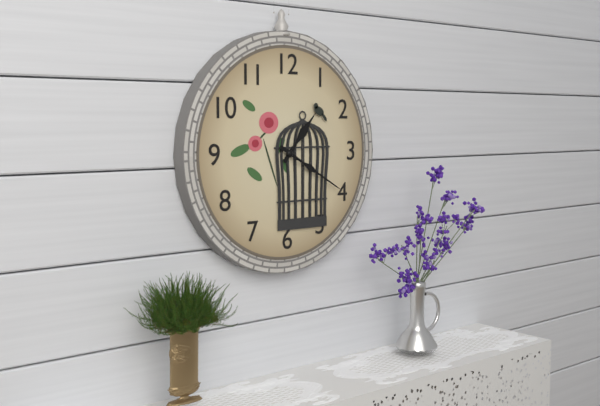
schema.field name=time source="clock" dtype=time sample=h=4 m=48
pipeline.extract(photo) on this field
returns h=1 m=20
